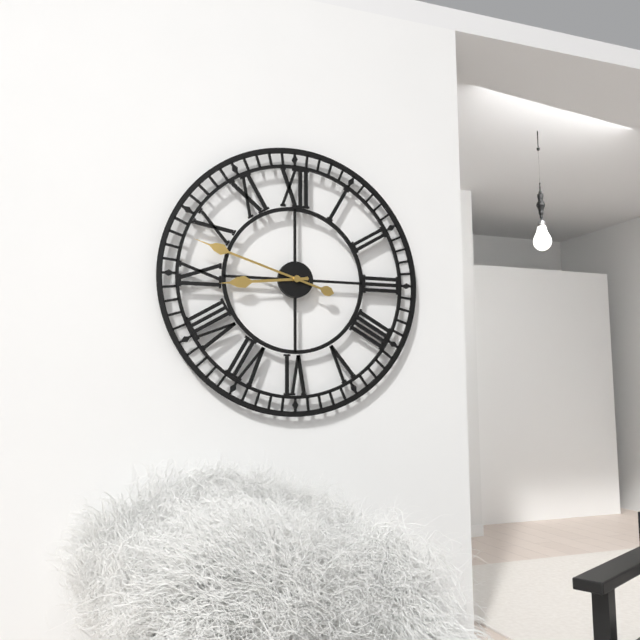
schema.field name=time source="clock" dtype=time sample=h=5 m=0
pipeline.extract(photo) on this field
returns h=8 m=48
